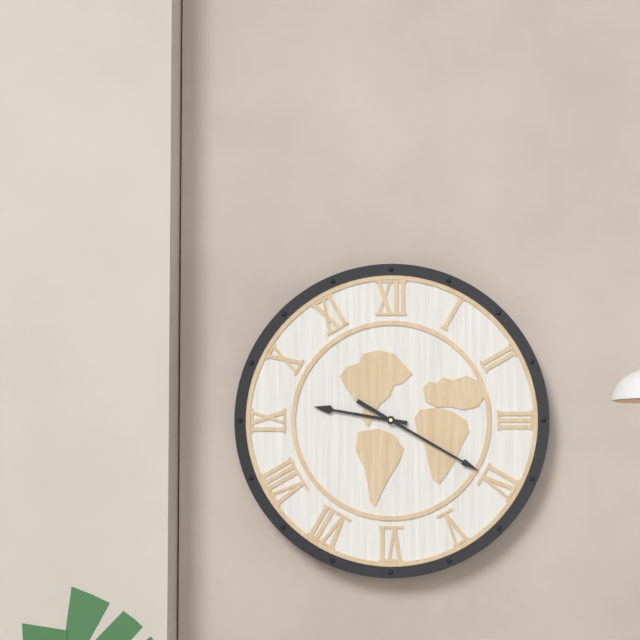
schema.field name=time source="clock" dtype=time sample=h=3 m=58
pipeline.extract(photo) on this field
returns h=9 m=20
